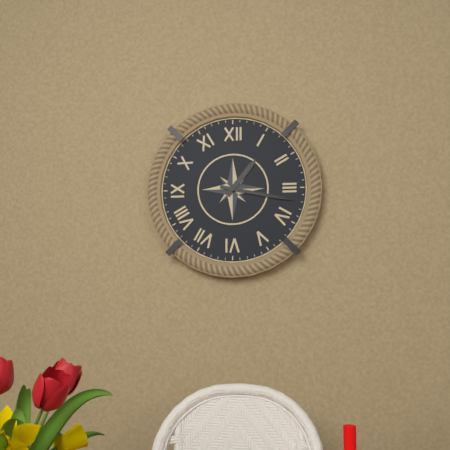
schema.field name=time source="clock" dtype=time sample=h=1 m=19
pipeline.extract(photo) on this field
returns h=1 m=17
